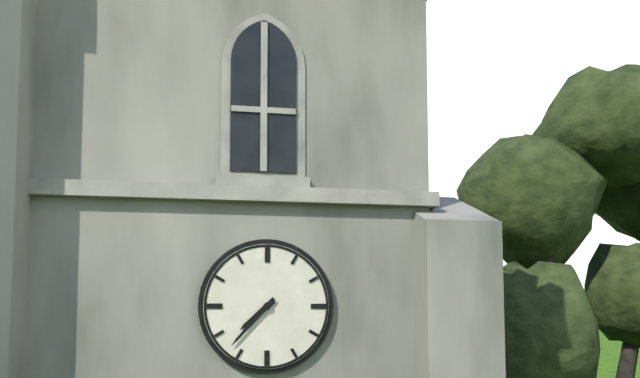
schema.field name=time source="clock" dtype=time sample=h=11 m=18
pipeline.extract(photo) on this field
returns h=7 m=37
